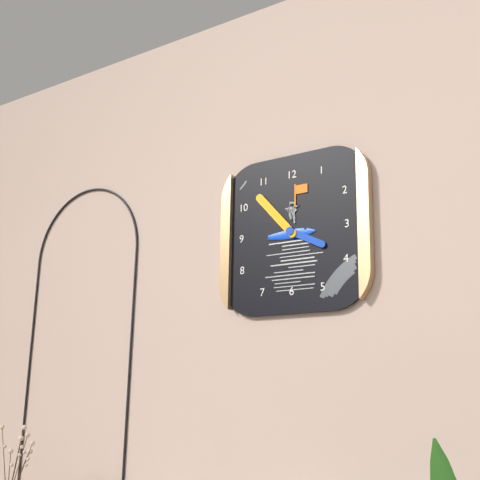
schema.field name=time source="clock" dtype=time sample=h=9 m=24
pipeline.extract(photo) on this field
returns h=3 m=53
